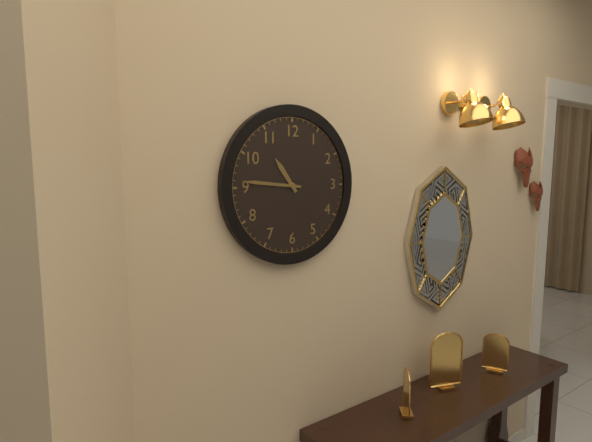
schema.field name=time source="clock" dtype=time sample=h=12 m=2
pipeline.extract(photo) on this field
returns h=10 m=46
